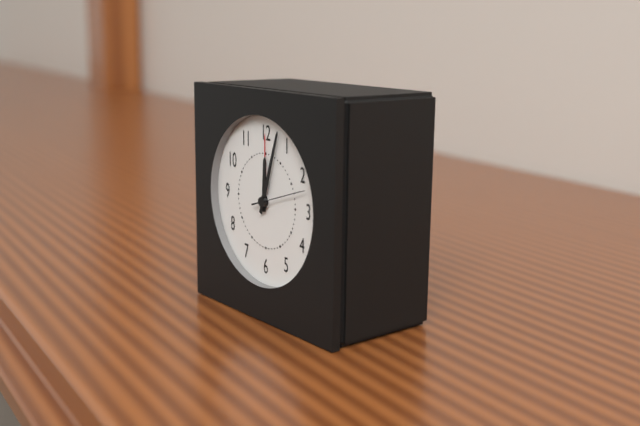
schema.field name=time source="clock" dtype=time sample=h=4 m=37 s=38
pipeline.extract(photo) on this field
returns h=12 m=3 s=12
